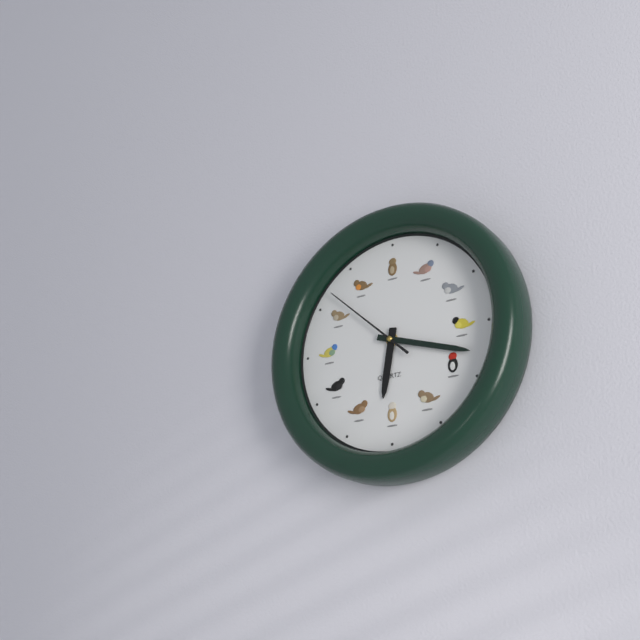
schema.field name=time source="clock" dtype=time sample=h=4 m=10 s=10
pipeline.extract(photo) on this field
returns h=6 m=18 s=52
